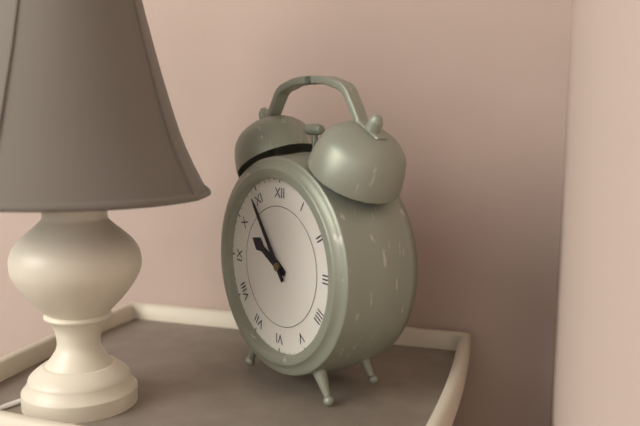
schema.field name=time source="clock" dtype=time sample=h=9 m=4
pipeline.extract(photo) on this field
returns h=9 m=54
